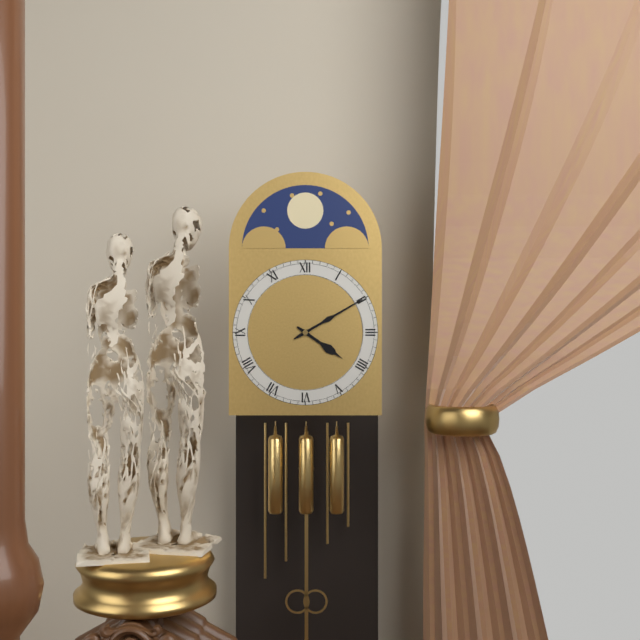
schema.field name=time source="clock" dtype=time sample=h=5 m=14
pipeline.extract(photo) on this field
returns h=4 m=10
